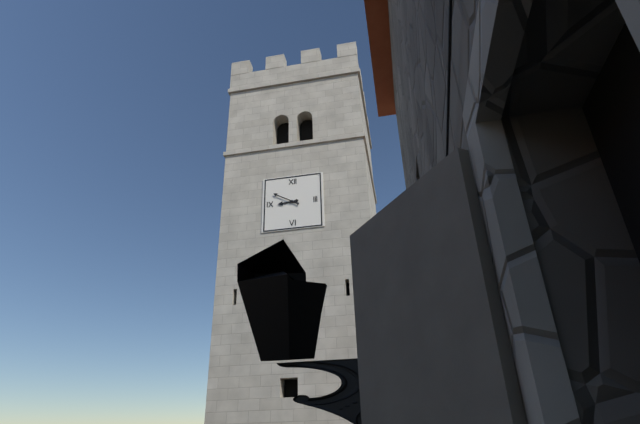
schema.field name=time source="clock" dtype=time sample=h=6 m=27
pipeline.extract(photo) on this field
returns h=8 m=50
